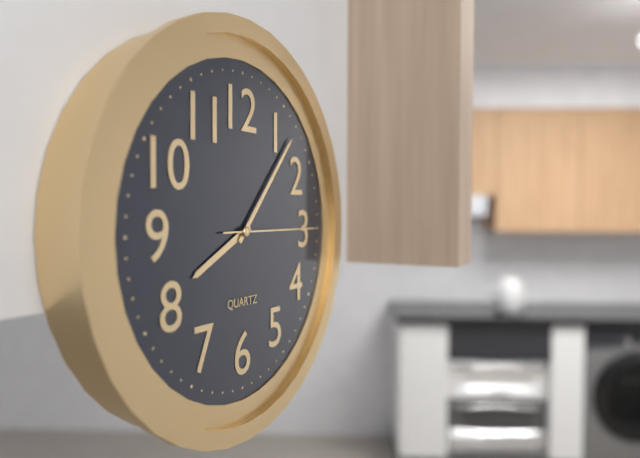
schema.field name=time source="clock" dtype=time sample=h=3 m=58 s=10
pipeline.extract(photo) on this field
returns h=8 m=7 s=15
